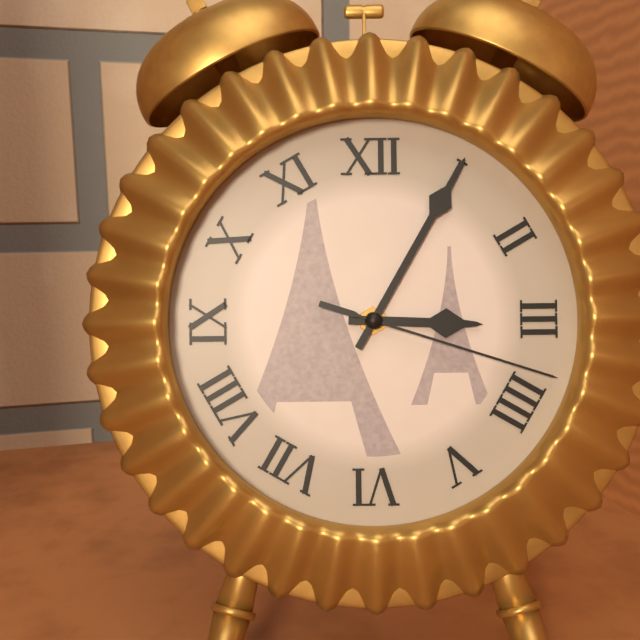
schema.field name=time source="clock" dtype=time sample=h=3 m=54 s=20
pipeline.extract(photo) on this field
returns h=3 m=5 s=18
